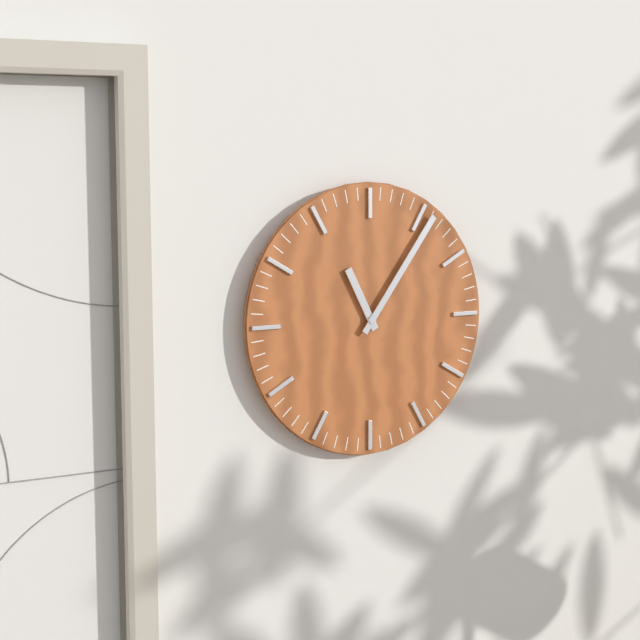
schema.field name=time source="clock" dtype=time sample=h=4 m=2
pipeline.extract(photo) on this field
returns h=11 m=6
